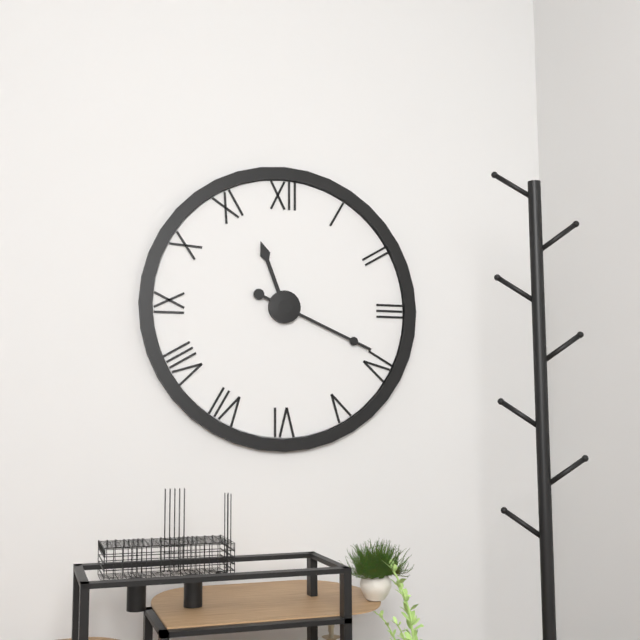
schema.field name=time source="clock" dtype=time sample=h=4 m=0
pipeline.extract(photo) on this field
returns h=11 m=19
